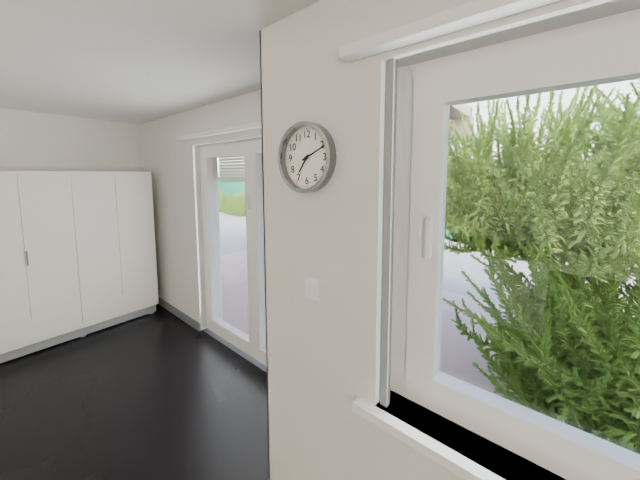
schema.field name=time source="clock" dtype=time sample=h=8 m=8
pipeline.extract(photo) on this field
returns h=7 m=11
